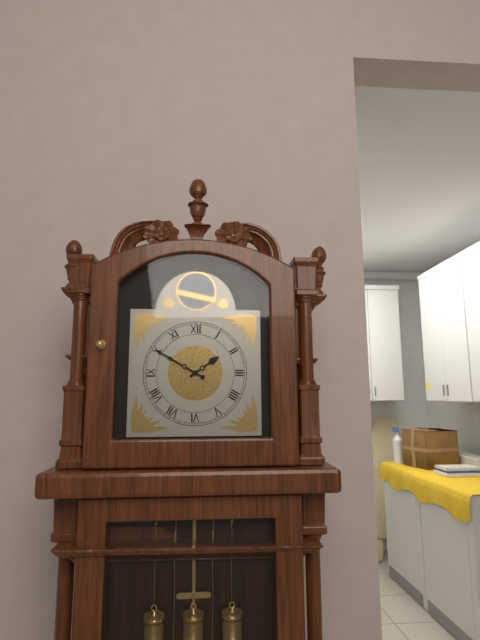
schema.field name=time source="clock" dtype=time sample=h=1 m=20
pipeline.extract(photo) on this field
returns h=1 m=50
